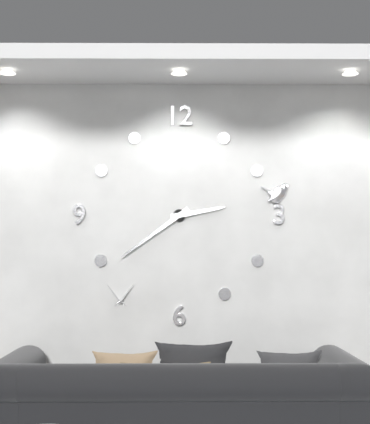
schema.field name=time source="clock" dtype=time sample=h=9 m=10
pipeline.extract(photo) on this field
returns h=2 m=39
